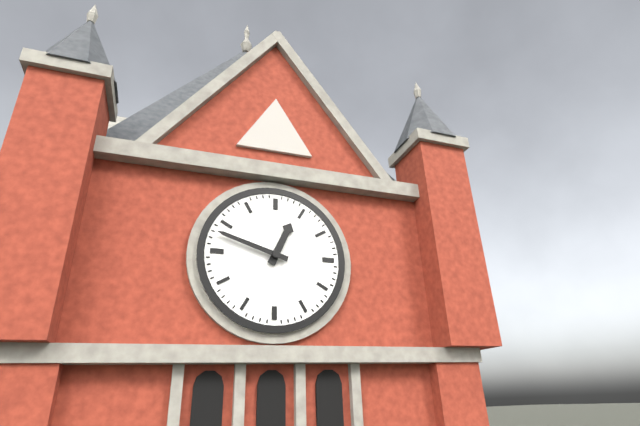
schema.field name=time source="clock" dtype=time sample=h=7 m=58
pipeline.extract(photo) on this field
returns h=12 m=48
